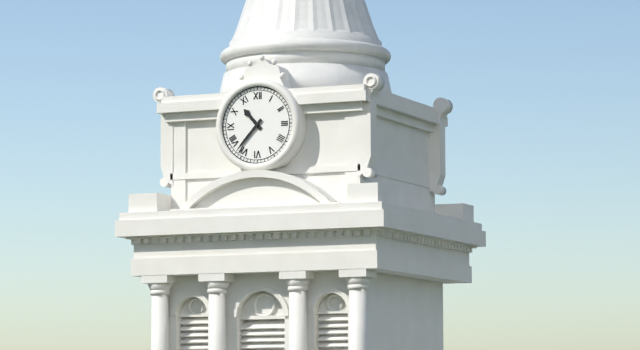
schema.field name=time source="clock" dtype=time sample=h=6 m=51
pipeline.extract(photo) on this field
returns h=10 m=37
